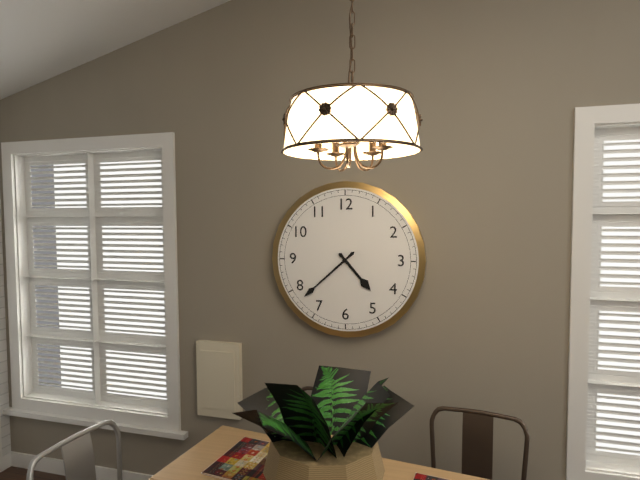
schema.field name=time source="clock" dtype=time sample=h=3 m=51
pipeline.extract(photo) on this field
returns h=4 m=38
